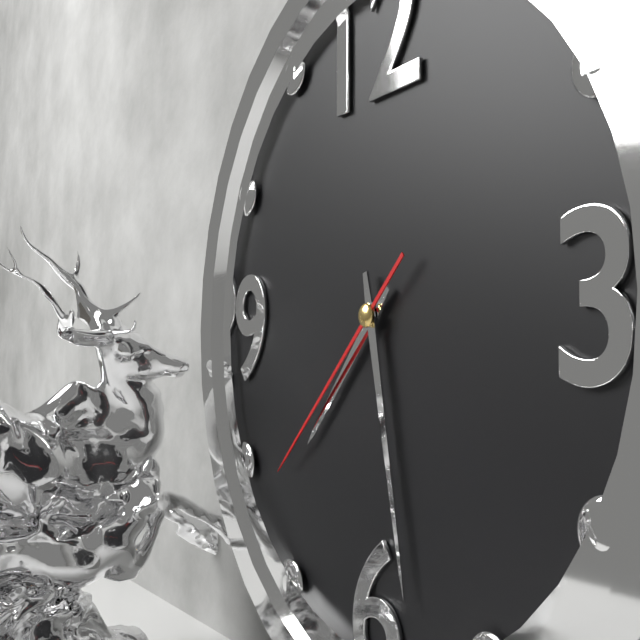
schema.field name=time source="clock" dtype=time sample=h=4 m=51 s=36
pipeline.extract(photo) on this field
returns h=7 m=28 s=38
